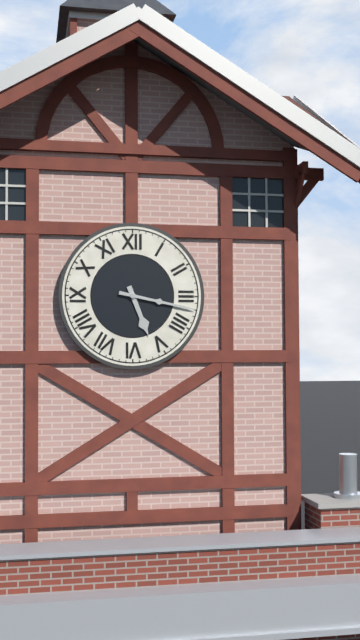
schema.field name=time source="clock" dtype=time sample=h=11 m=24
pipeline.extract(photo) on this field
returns h=5 m=17
